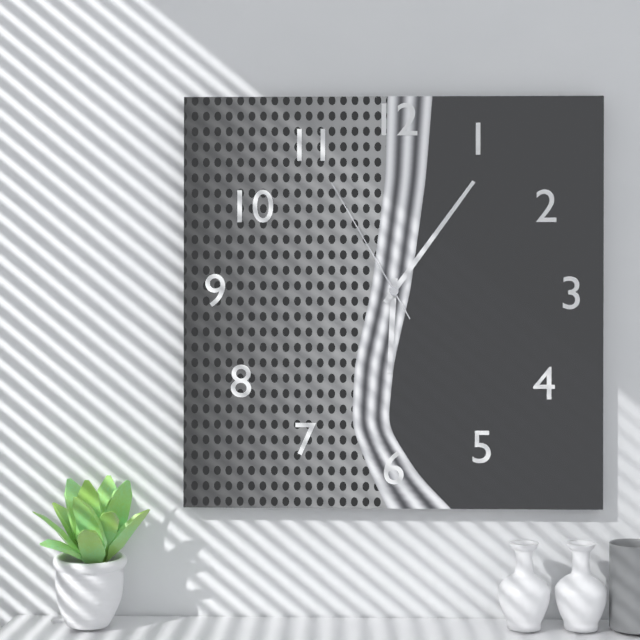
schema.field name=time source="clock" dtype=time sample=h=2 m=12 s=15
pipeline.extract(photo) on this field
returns h=6 m=6 s=55
